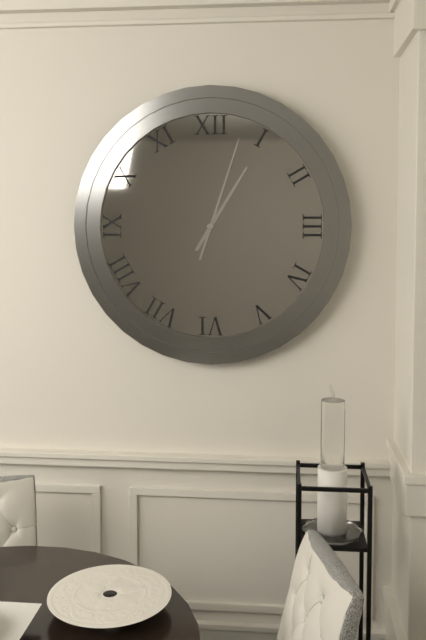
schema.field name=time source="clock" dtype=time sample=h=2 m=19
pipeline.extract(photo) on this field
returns h=1 m=3
